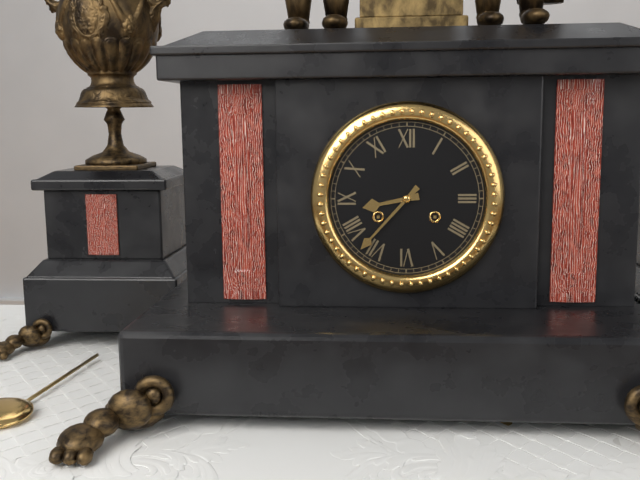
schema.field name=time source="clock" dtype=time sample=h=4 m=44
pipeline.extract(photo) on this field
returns h=8 m=37
